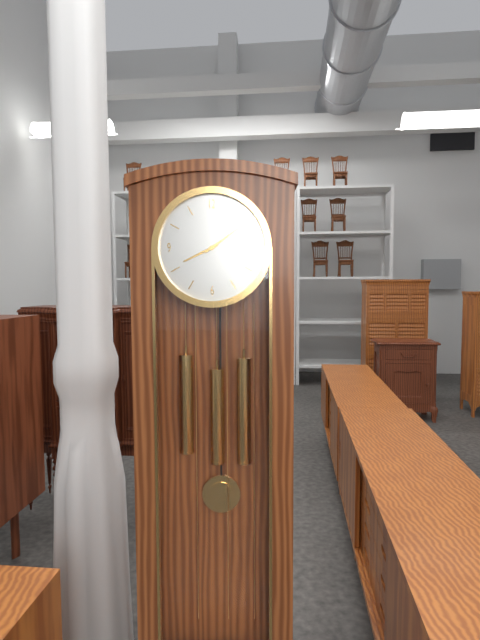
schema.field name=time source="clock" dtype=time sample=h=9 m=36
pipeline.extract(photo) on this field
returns h=8 m=9
